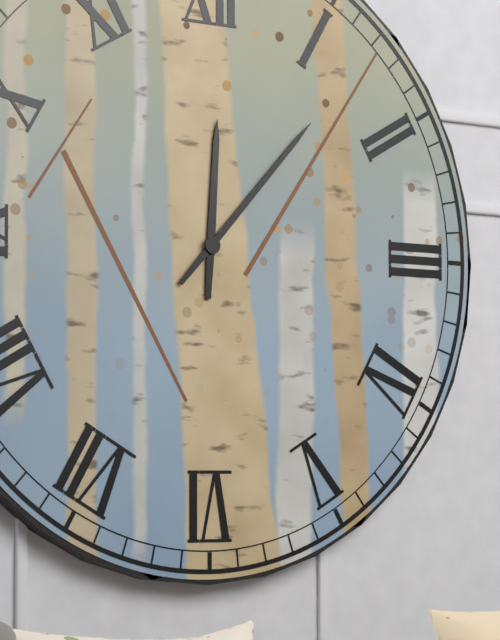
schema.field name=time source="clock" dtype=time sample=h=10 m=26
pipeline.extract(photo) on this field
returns h=12 m=7
